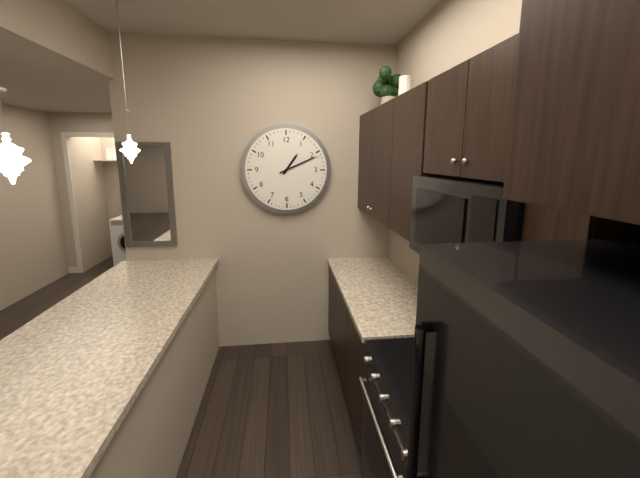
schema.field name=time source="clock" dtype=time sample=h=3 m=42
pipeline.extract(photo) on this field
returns h=1 m=11
